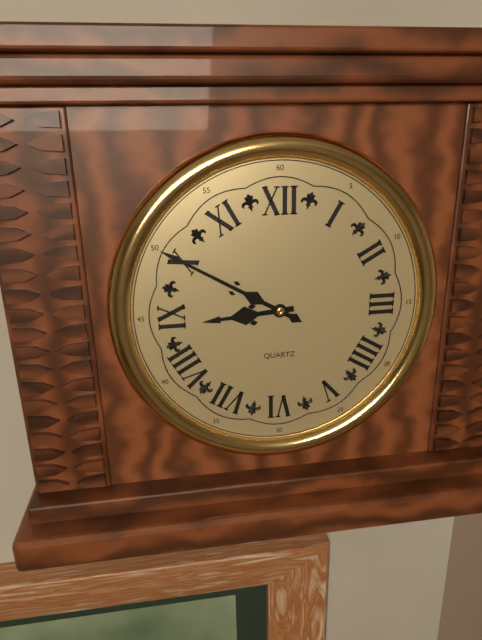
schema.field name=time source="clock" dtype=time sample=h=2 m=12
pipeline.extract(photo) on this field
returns h=8 m=50
